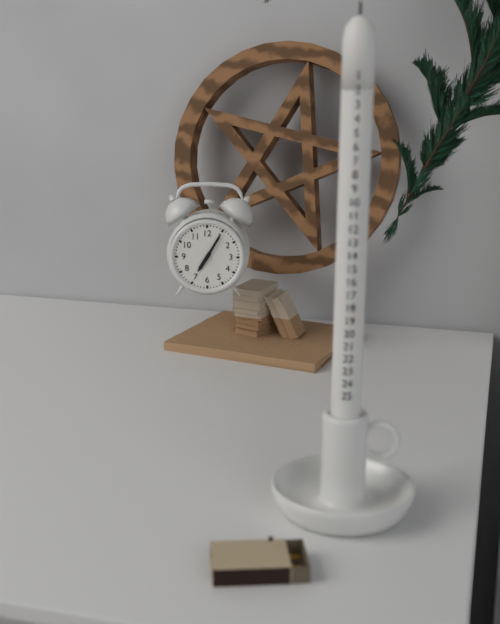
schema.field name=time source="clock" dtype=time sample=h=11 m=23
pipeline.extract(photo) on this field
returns h=7 m=5
